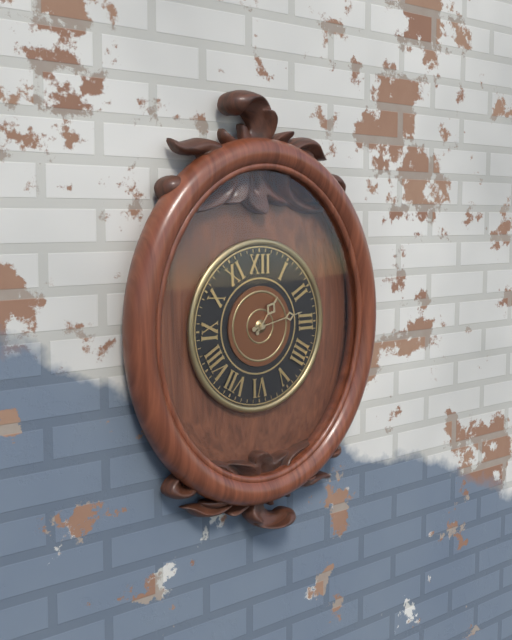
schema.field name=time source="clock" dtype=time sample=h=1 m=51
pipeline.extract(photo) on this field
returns h=1 m=13
